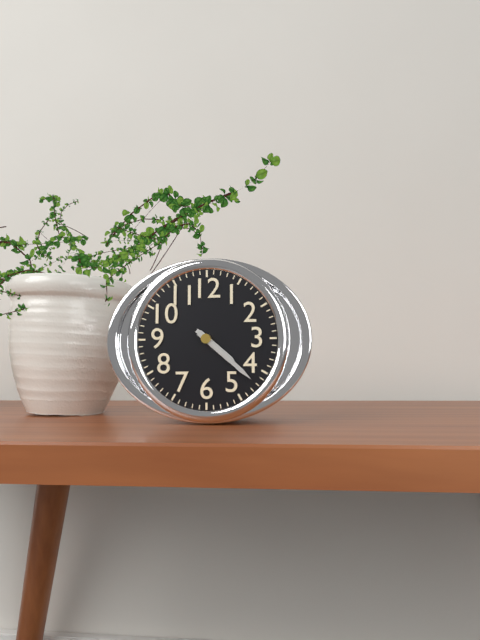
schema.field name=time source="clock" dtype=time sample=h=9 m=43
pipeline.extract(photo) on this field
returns h=4 m=22
